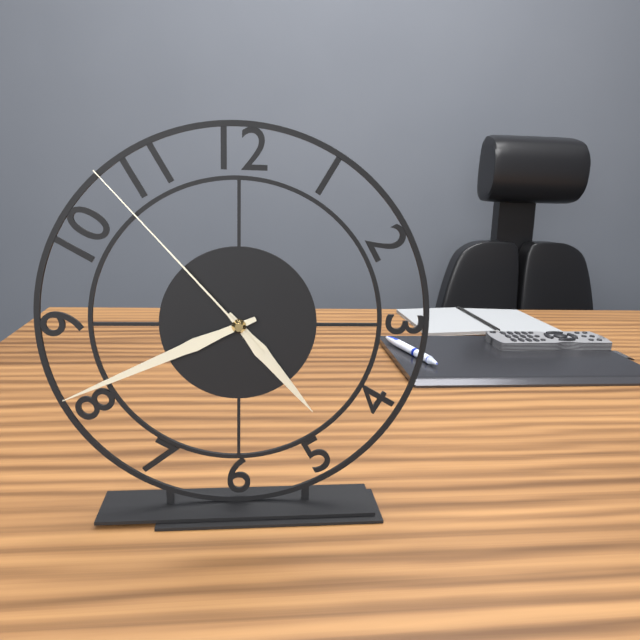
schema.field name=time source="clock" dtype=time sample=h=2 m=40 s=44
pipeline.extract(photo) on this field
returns h=4 m=41 s=53
